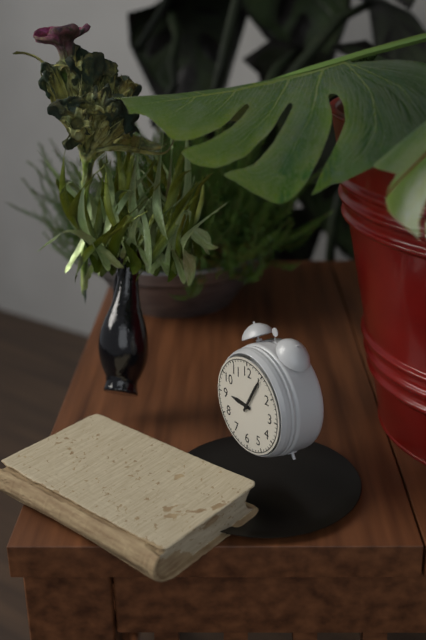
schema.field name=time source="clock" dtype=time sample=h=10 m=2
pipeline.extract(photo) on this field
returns h=9 m=5
